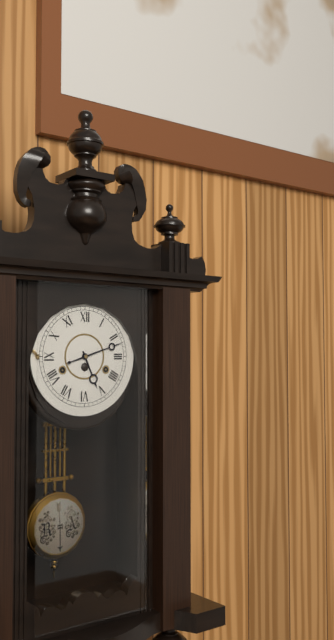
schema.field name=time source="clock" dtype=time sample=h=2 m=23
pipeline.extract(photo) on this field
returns h=5 m=12
